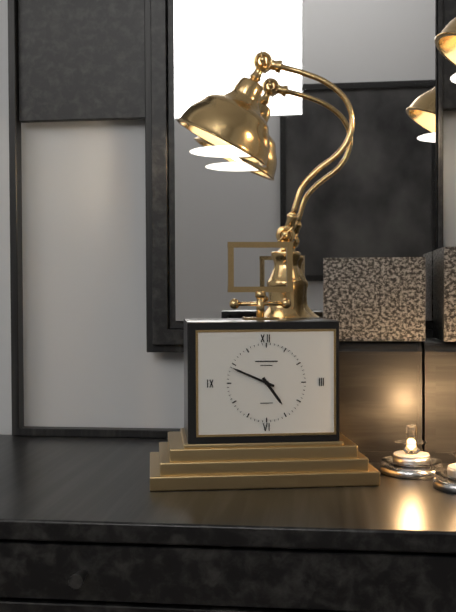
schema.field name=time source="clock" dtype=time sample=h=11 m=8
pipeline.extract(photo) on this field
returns h=4 m=49
